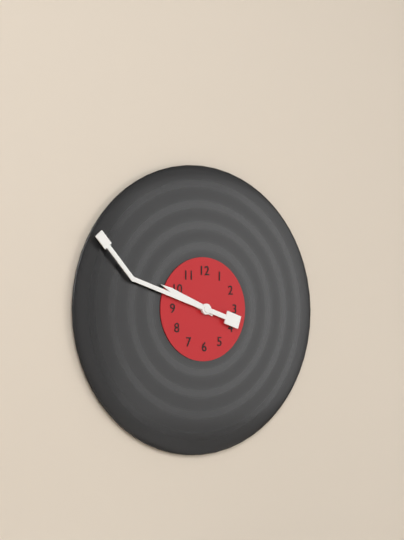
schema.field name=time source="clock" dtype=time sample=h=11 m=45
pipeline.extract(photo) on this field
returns h=9 m=48
